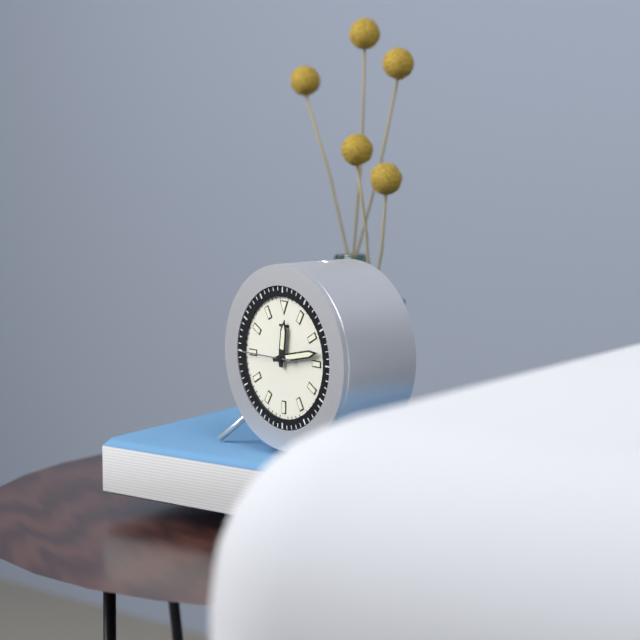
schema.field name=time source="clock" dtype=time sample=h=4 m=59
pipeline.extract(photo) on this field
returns h=12 m=13
